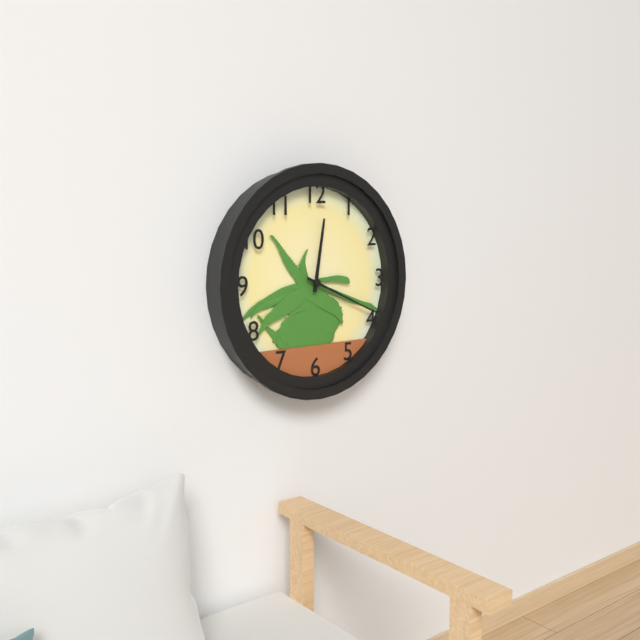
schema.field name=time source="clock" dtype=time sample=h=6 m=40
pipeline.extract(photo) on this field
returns h=12 m=19
